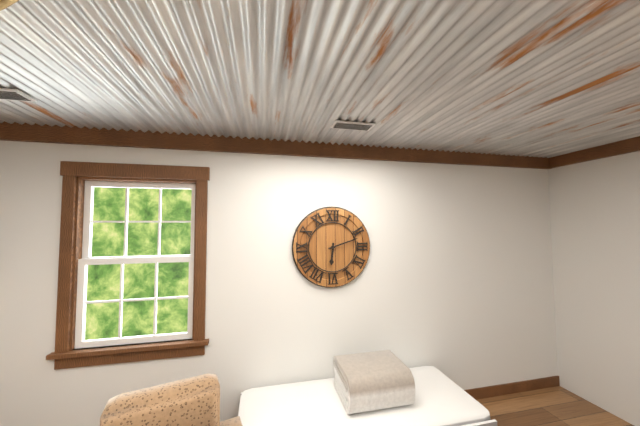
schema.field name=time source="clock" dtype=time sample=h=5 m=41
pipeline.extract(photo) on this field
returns h=6 m=12
